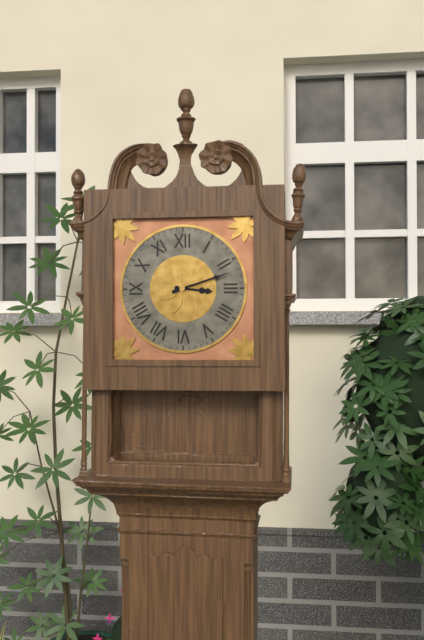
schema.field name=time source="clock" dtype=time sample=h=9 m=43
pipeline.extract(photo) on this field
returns h=3 m=12
